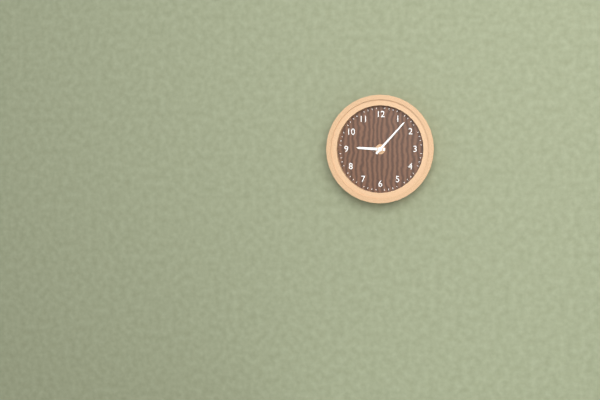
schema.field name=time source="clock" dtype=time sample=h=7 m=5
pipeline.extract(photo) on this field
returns h=9 m=7
